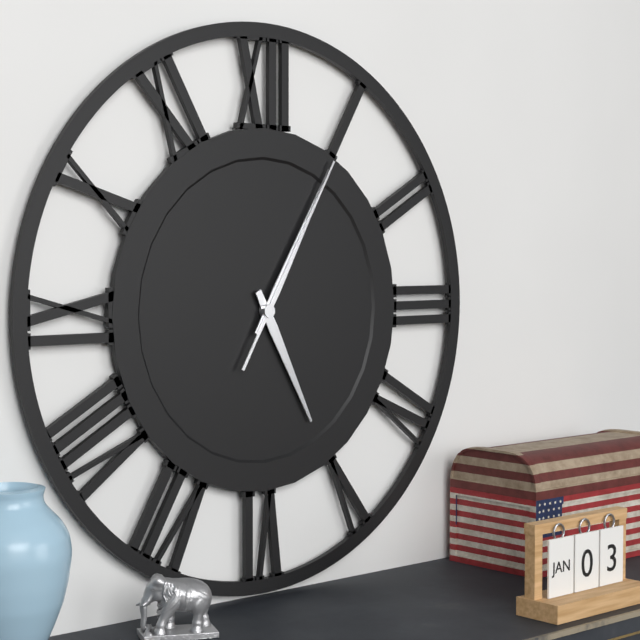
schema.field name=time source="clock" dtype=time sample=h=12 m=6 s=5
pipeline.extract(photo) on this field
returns h=5 m=5 s=5
